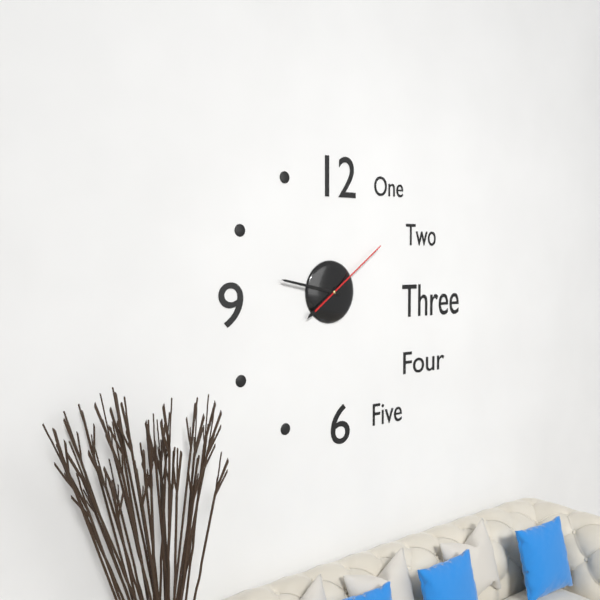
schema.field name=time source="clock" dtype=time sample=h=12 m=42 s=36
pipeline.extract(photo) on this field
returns h=7 m=47 s=9
